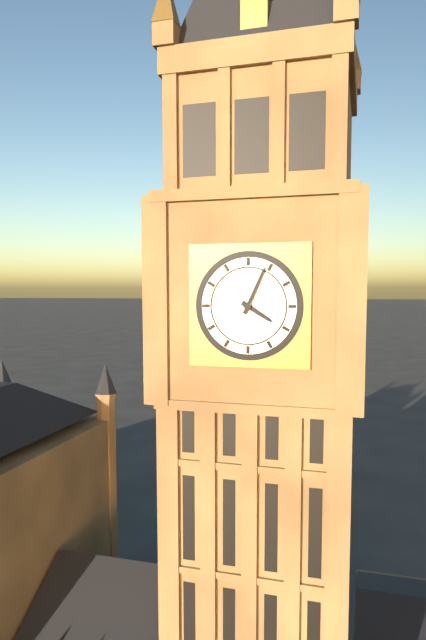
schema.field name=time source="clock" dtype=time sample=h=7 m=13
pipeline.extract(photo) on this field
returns h=4 m=4
